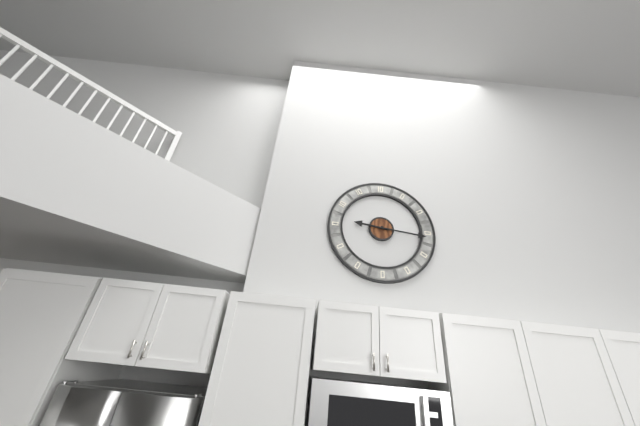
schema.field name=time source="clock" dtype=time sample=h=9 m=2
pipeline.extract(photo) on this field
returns h=9 m=16
